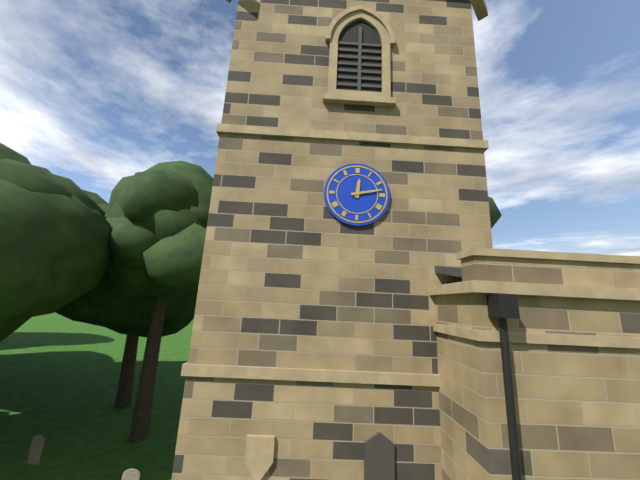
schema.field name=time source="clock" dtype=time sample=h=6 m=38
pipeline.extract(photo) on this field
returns h=12 m=13
